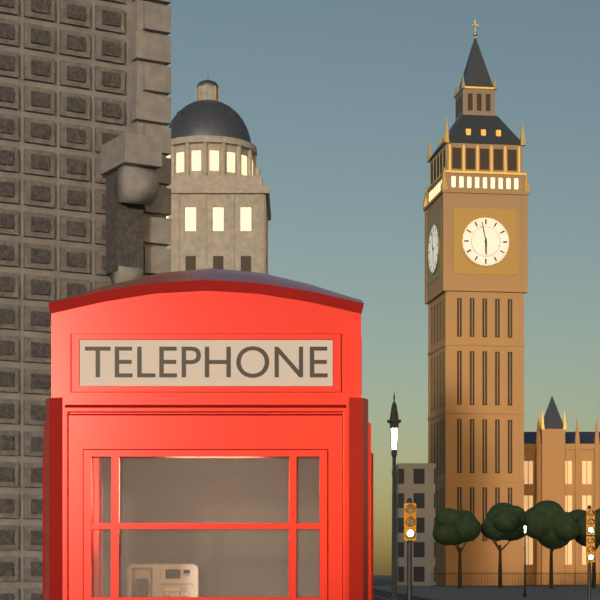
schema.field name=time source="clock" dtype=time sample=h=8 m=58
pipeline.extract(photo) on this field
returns h=5 m=58
